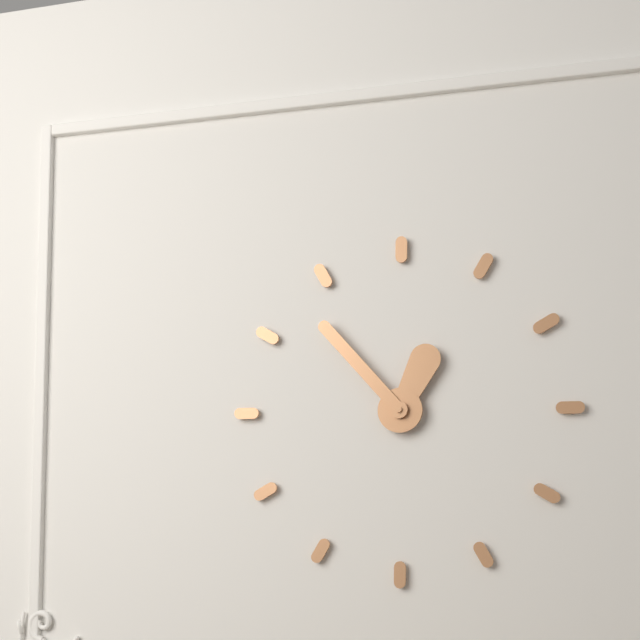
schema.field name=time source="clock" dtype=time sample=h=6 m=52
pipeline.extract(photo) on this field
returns h=12 m=53
